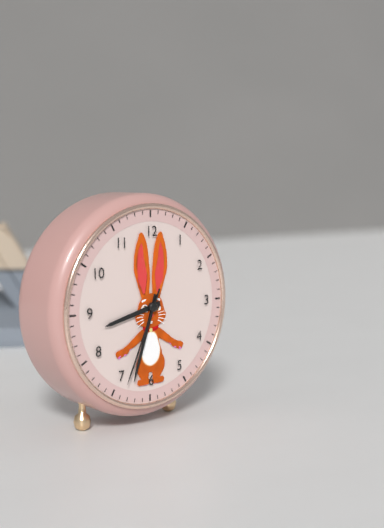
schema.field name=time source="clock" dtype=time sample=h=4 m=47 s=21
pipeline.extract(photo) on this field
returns h=8 m=33 s=34
